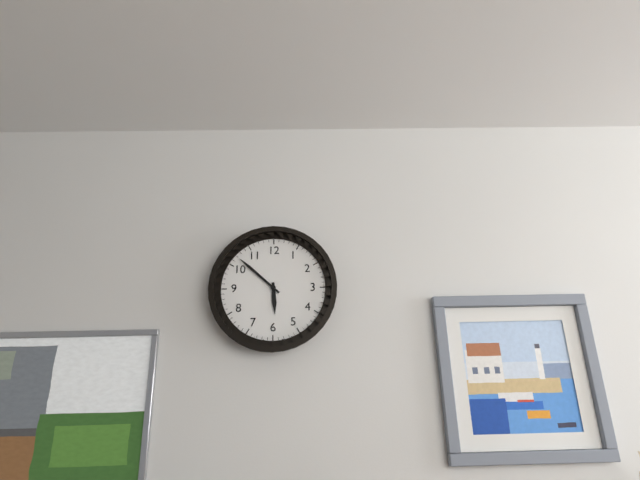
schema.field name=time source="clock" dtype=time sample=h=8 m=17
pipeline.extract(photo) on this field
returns h=5 m=52
